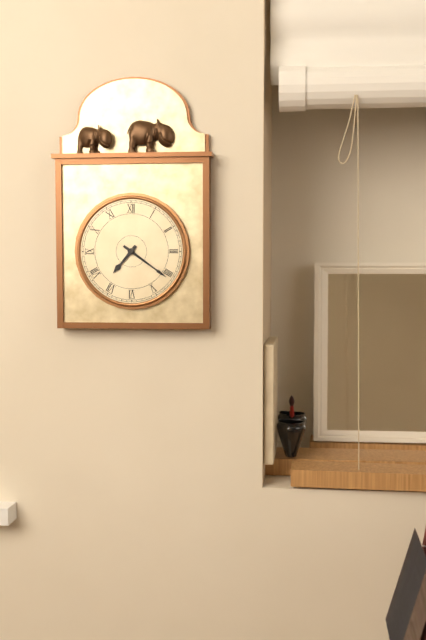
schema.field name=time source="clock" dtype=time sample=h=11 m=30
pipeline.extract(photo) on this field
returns h=7 m=21
